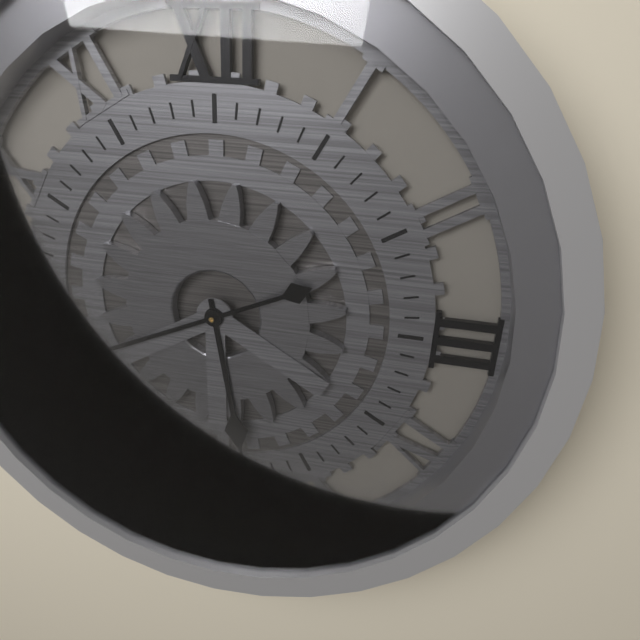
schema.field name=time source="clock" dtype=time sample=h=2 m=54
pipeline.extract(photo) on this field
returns h=5 m=41
